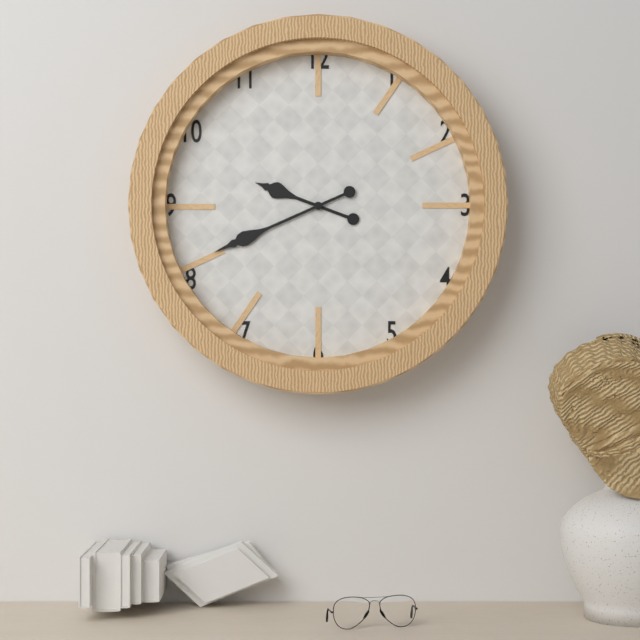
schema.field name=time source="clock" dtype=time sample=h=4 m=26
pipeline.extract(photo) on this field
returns h=9 m=41
